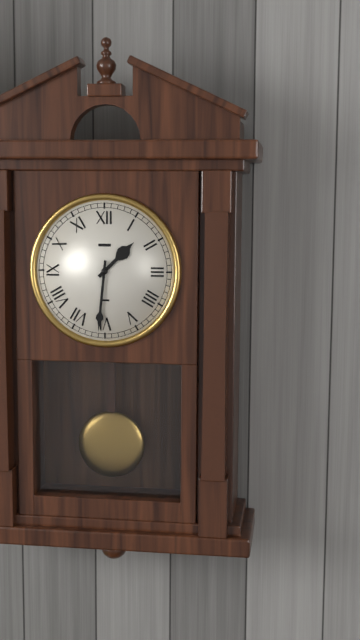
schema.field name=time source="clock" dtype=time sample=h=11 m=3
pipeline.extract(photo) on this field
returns h=1 m=31
